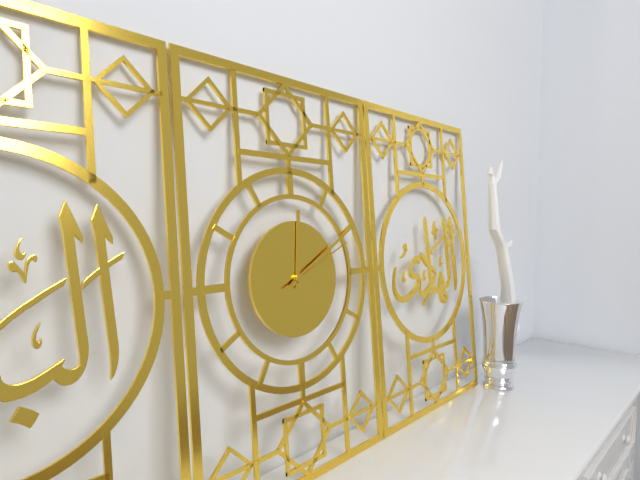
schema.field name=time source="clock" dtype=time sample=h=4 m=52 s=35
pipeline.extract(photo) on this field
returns h=12 m=10 s=11
